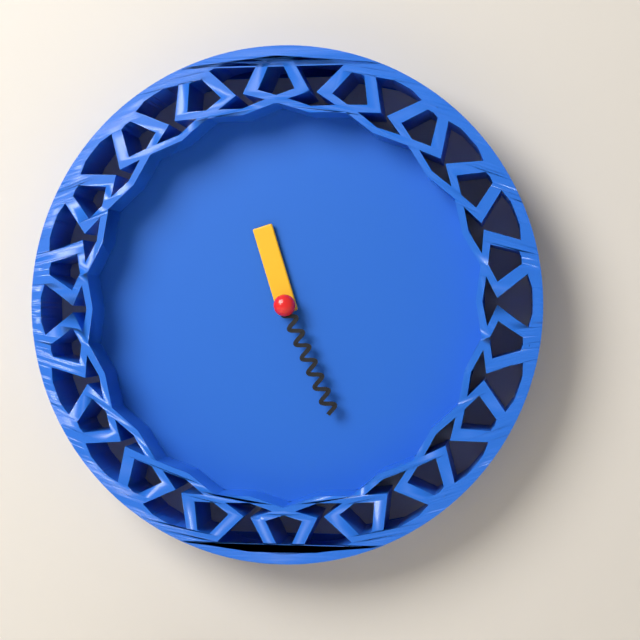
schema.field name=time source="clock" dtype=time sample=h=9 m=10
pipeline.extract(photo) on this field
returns h=11 m=26
